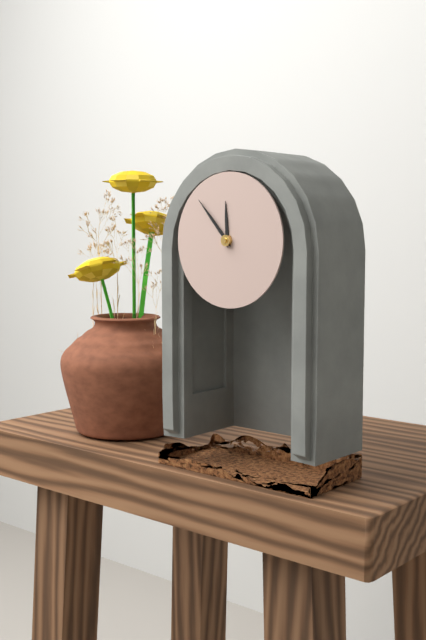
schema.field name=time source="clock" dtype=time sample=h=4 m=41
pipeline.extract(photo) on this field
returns h=11 m=53
